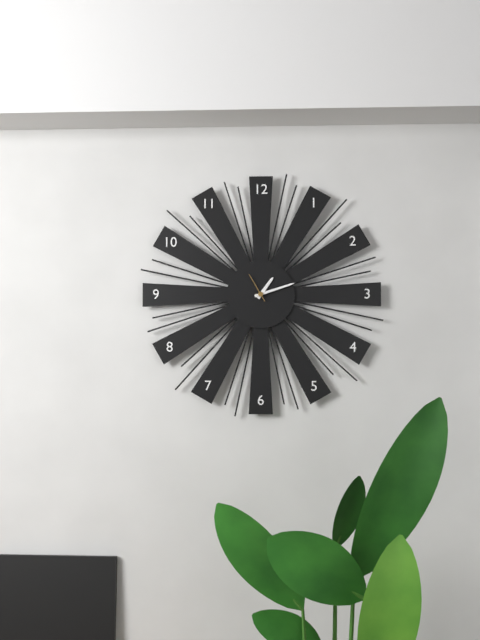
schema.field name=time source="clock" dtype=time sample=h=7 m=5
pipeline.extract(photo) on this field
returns h=1 m=12
